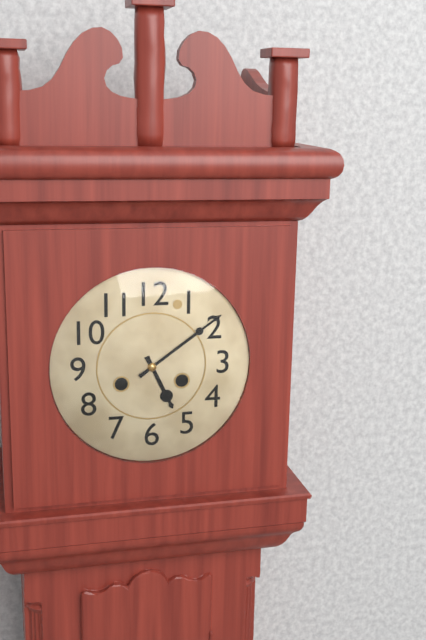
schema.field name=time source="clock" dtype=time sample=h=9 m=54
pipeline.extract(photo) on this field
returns h=5 m=9
